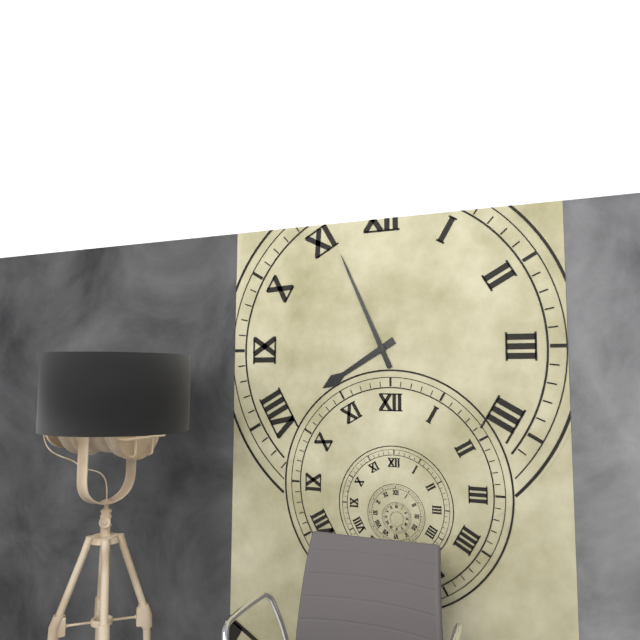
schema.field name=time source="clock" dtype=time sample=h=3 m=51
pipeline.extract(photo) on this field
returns h=7 m=56
